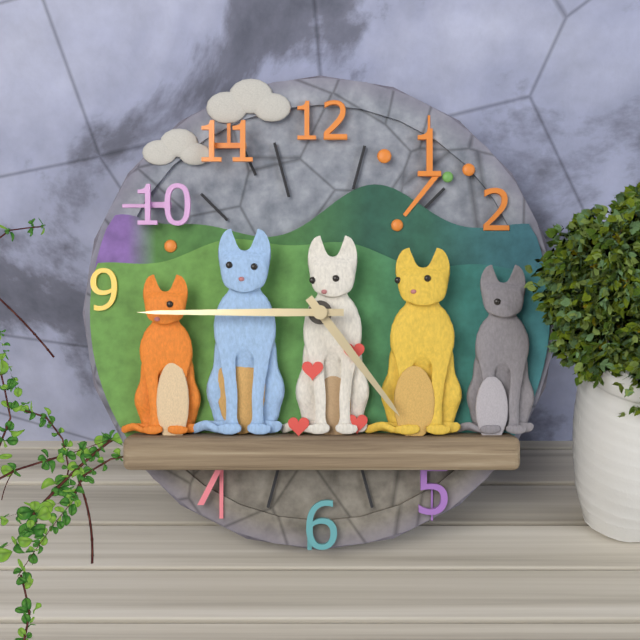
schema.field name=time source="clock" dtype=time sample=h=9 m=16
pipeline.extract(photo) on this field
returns h=4 m=45
